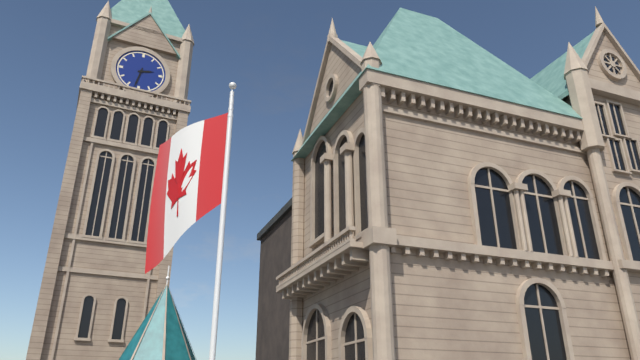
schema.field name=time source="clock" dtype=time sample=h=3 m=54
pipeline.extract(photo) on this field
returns h=2 m=32
